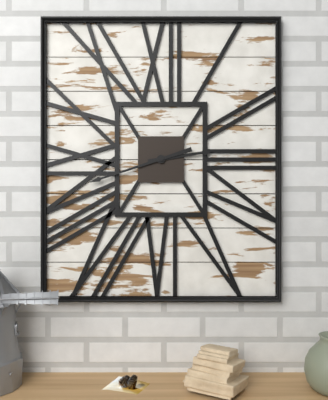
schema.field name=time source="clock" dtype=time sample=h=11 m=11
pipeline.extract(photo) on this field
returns h=2 m=42
